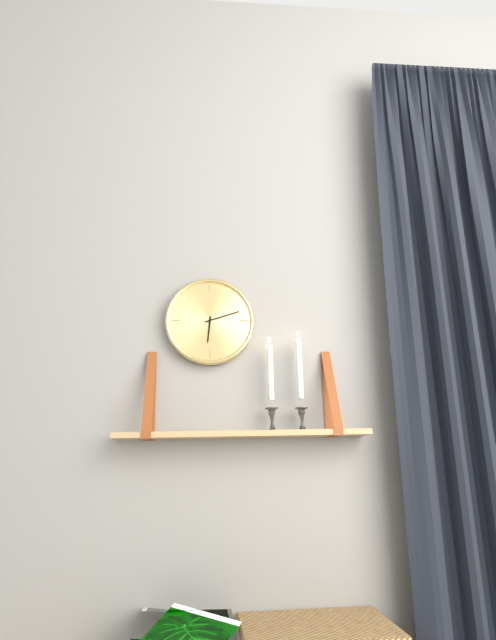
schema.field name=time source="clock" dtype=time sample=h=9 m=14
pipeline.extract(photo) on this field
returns h=6 m=12
